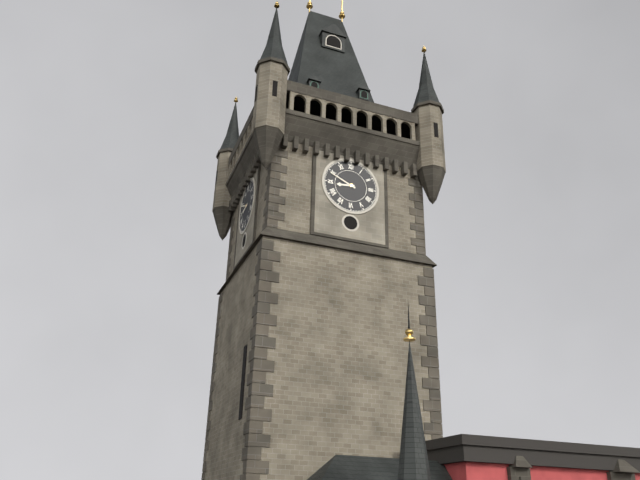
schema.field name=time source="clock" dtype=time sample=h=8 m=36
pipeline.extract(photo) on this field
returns h=8 m=49
